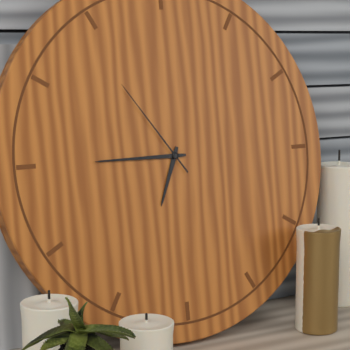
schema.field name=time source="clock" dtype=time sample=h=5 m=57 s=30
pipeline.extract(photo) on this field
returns h=6 m=45 s=54
